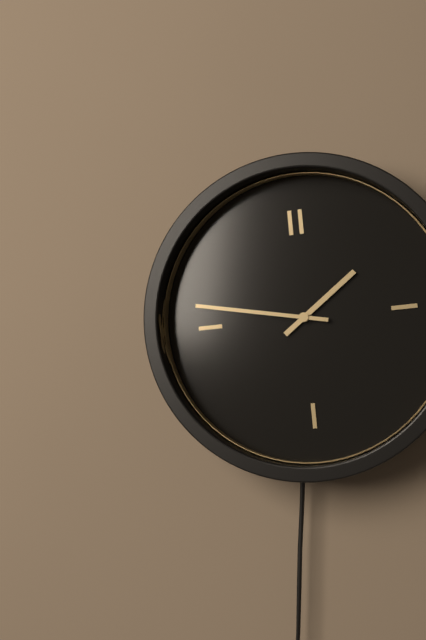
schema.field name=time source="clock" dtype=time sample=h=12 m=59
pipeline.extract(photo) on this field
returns h=1 m=47
